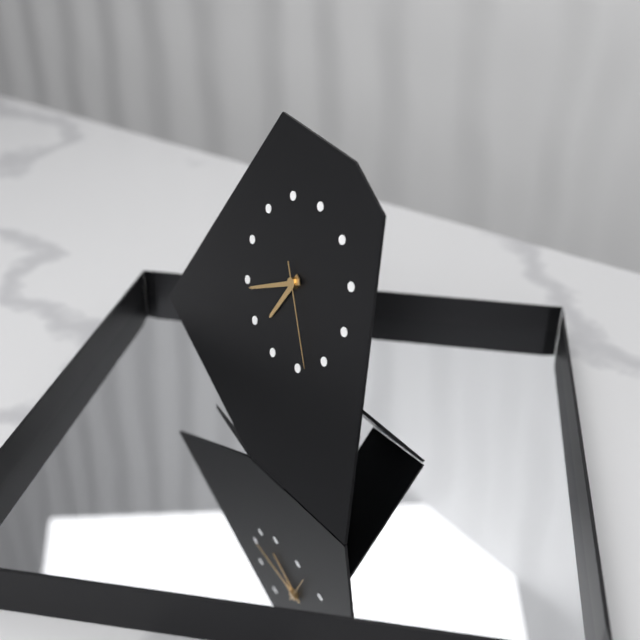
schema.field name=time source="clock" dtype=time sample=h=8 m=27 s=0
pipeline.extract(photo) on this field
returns h=6 m=39 s=23
